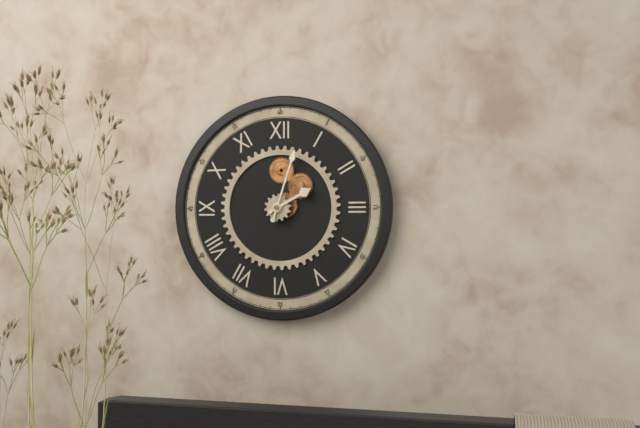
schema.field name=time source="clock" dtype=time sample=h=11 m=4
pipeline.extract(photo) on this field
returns h=2 m=3
